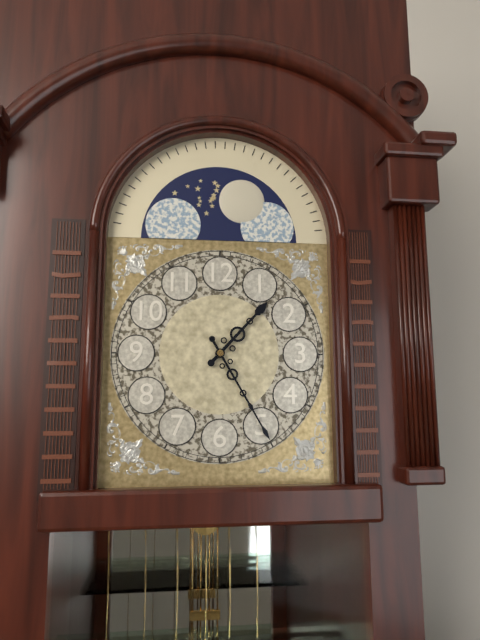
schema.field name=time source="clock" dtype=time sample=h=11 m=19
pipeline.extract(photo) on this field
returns h=1 m=25
